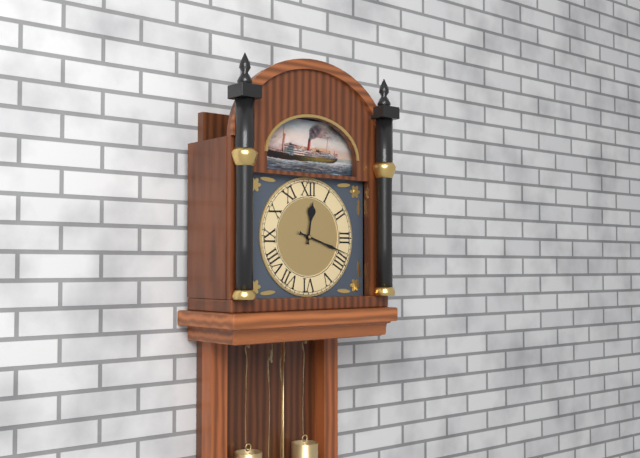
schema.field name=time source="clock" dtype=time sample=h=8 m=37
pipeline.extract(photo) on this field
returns h=12 m=18
